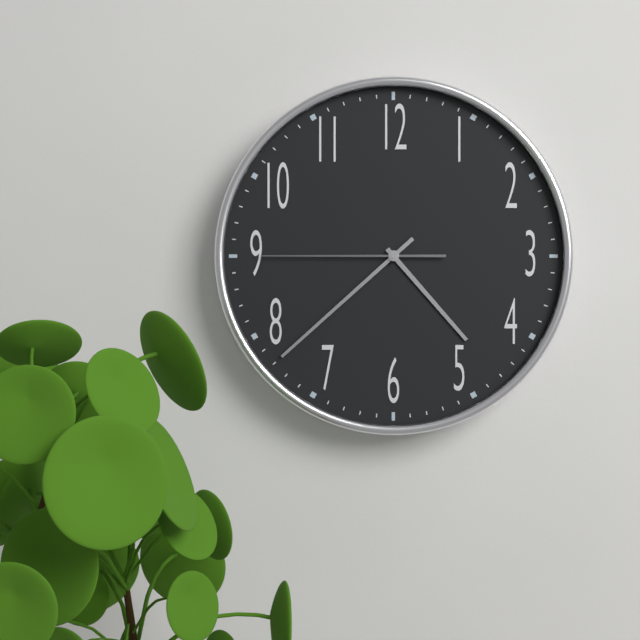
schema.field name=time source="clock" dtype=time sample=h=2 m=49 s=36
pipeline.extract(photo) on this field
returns h=4 m=38 s=45
